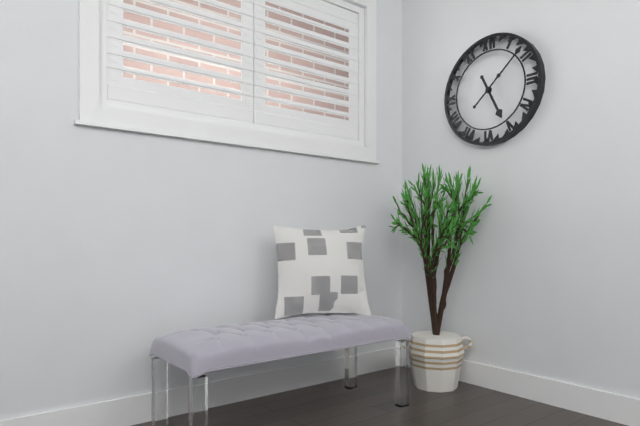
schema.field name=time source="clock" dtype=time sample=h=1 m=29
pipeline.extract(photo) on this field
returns h=5 m=8
